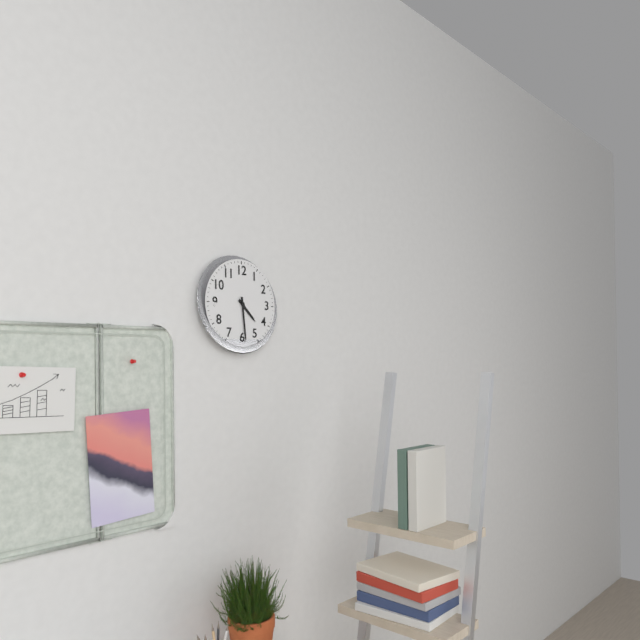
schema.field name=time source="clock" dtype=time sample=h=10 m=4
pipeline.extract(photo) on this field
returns h=4 m=29
